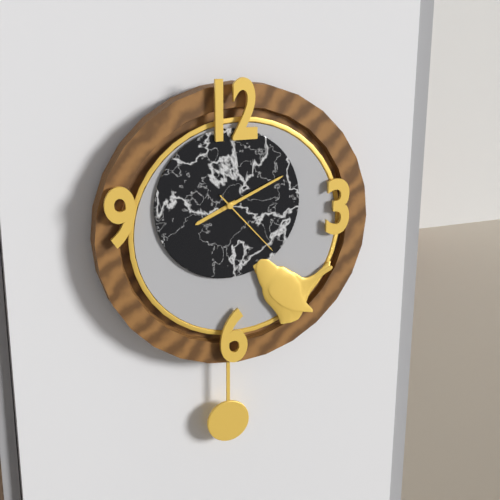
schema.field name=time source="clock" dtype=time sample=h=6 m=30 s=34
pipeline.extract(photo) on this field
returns h=8 m=11 s=23
